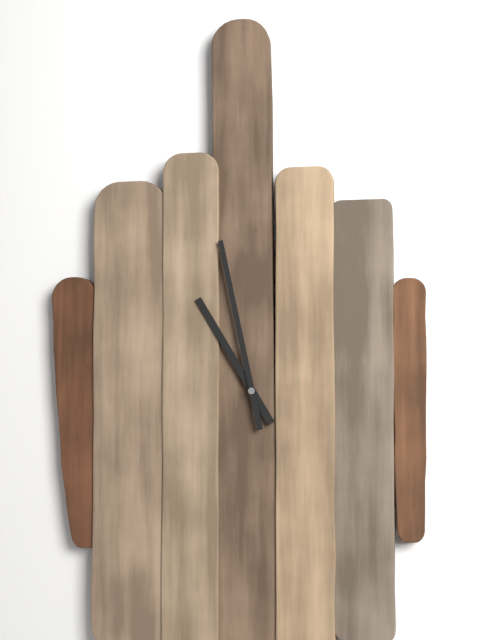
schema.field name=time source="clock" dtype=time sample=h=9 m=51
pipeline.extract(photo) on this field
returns h=10 m=58
